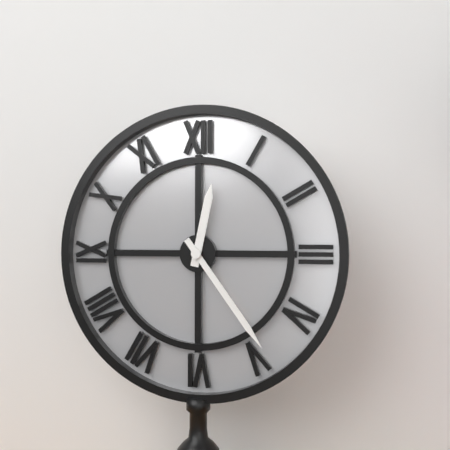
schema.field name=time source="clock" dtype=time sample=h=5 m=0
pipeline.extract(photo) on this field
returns h=12 m=24
